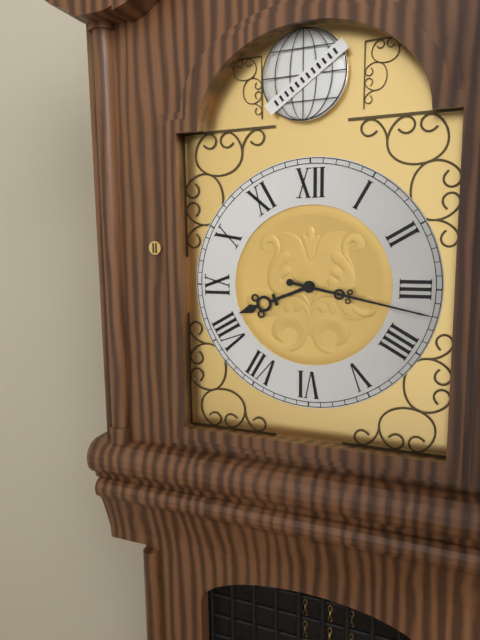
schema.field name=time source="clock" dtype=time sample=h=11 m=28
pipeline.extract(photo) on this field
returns h=8 m=17
